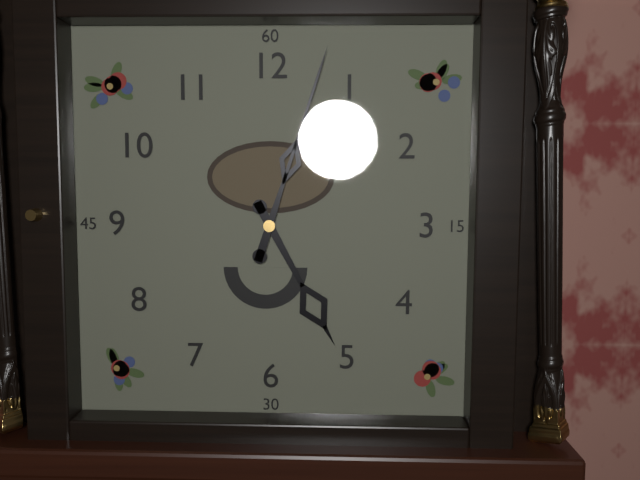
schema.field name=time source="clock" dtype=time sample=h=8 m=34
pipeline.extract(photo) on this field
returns h=5 m=3
